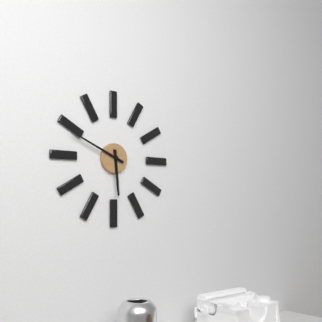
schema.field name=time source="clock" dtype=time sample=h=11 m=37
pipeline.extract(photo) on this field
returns h=5 m=49
